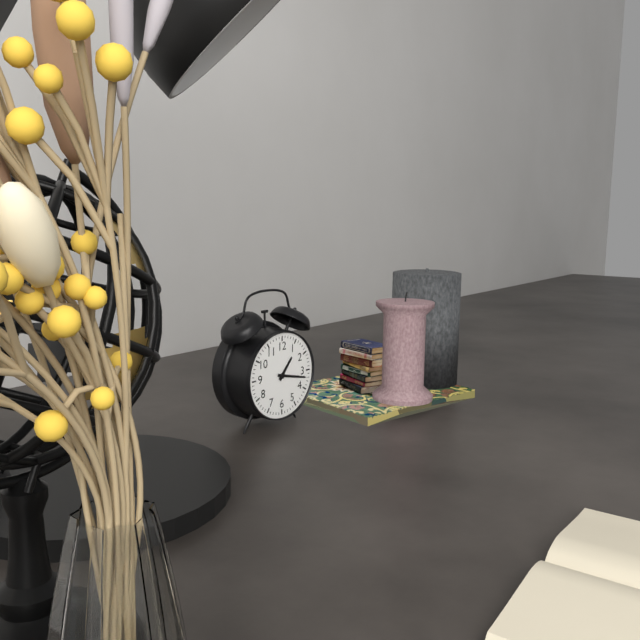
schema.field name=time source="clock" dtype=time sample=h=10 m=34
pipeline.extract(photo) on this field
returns h=1 m=17
